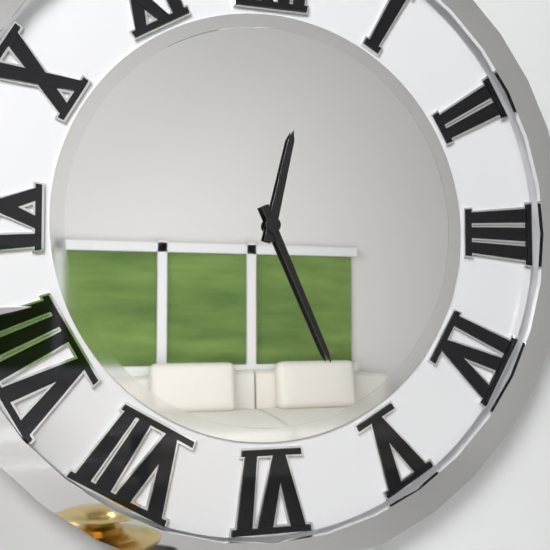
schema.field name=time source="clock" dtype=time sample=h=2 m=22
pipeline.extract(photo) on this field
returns h=12 m=26
